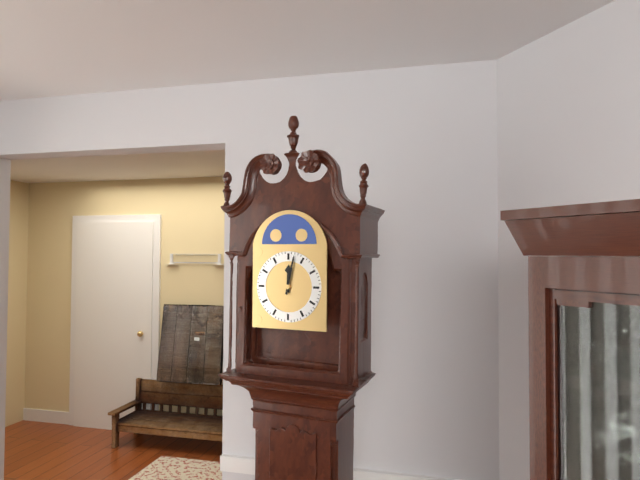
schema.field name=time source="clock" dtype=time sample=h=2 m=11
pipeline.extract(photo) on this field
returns h=12 m=2
